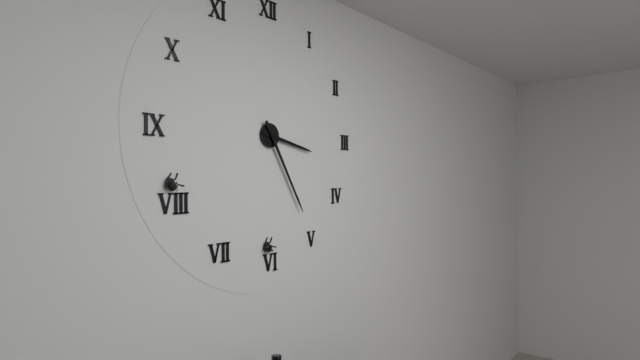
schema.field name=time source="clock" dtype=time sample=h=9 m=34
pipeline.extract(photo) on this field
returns h=3 m=25
